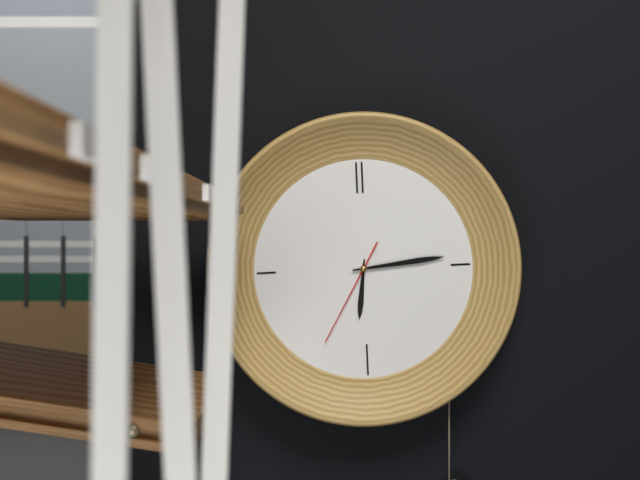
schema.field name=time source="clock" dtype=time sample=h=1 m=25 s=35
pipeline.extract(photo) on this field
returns h=6 m=14 s=35
